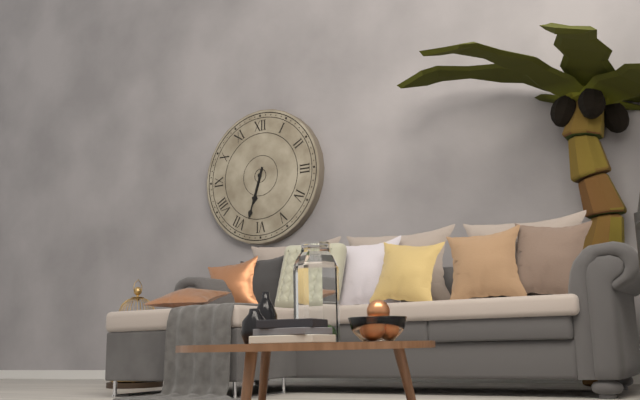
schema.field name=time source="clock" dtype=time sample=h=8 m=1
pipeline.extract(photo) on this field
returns h=6 m=33
